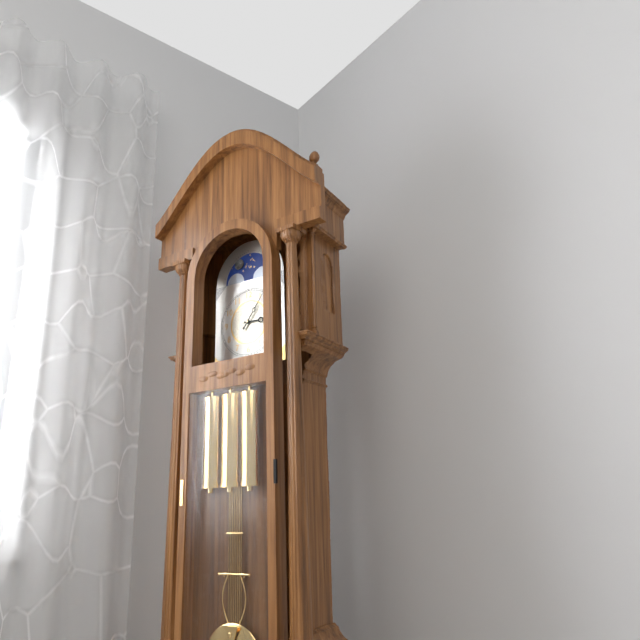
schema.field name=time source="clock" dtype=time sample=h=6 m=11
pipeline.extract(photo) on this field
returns h=3 m=6
